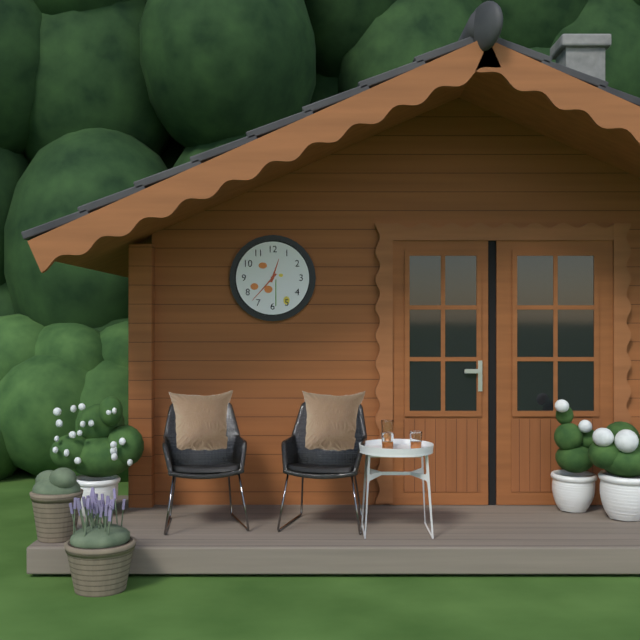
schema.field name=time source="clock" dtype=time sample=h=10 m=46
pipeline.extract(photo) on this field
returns h=12 m=37
